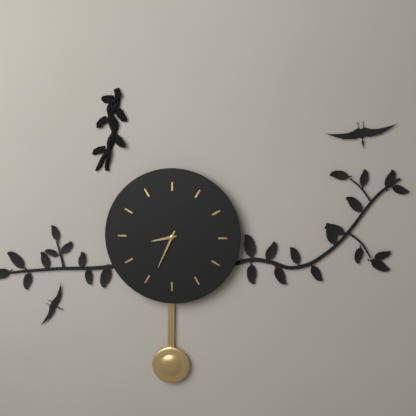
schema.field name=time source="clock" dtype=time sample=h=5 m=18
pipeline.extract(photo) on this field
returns h=8 m=34
